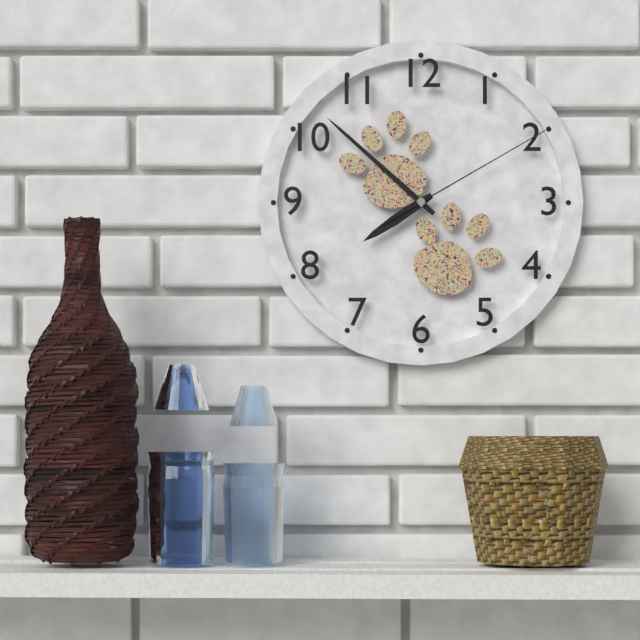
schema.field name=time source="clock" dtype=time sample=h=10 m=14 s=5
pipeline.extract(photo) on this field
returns h=7 m=52 s=10
